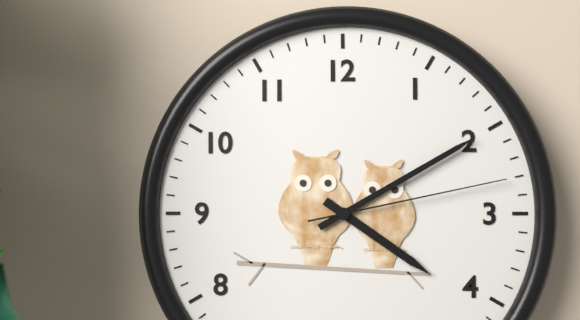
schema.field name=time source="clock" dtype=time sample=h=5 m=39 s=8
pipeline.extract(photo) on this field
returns h=4 m=10 s=13
